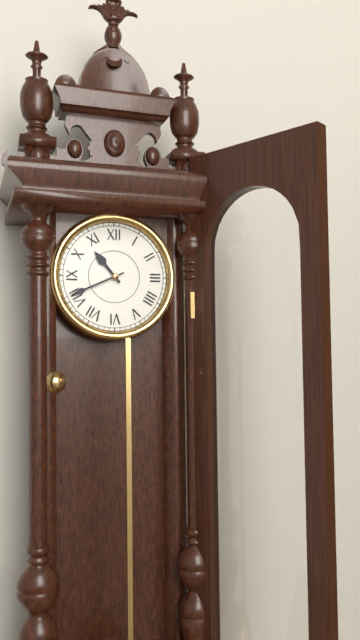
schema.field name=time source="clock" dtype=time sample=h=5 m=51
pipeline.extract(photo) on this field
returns h=10 m=41
